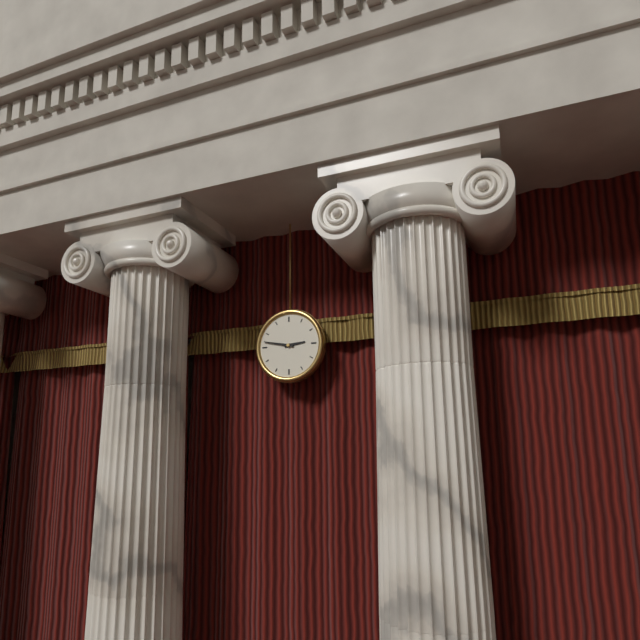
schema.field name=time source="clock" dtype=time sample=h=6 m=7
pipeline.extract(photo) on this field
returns h=2 m=47
